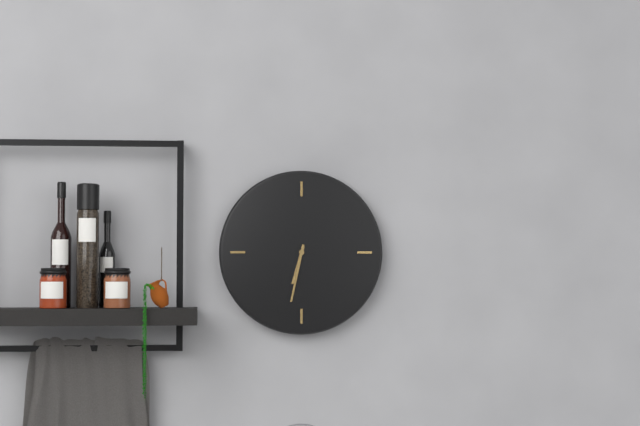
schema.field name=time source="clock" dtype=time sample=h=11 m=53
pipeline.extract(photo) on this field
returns h=6 m=32
